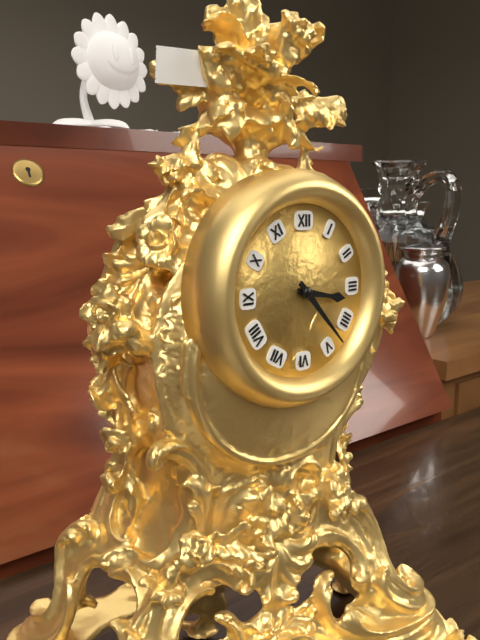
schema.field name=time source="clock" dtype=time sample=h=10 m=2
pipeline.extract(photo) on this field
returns h=3 m=23
